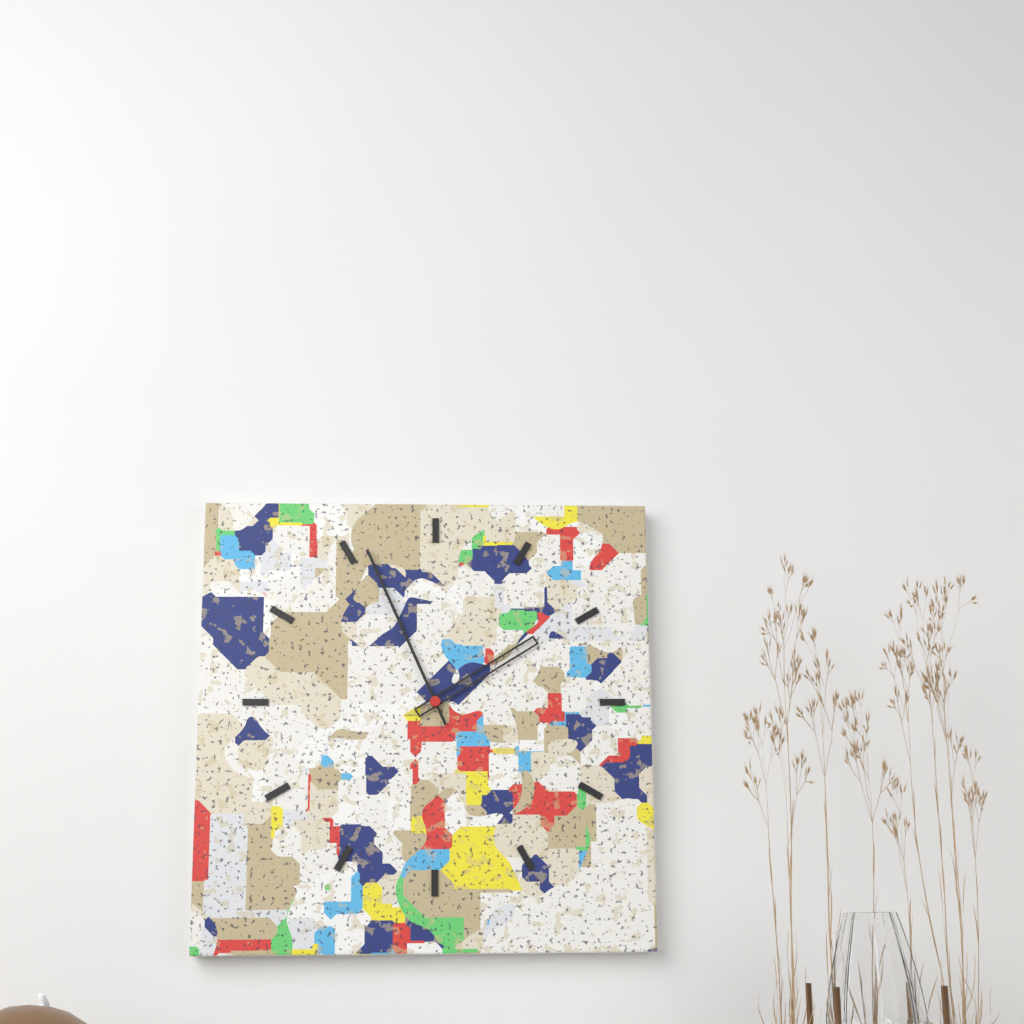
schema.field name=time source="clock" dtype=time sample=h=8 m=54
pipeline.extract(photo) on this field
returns h=1 m=56
